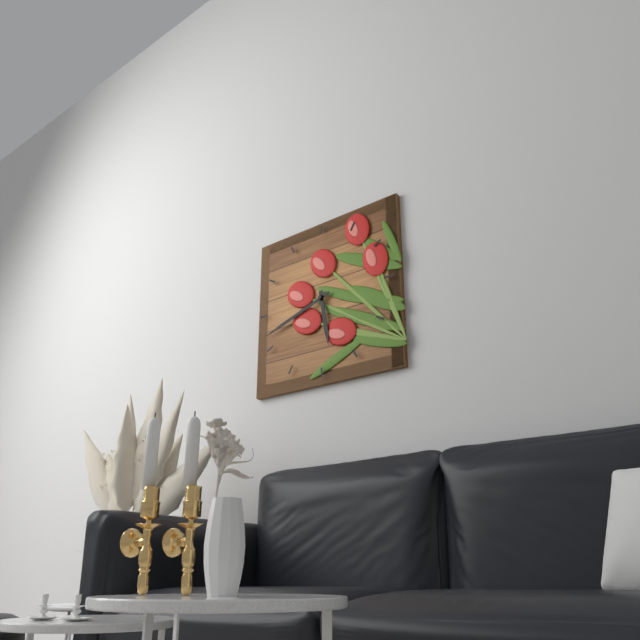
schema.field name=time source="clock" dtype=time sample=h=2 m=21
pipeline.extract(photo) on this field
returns h=5 m=42
